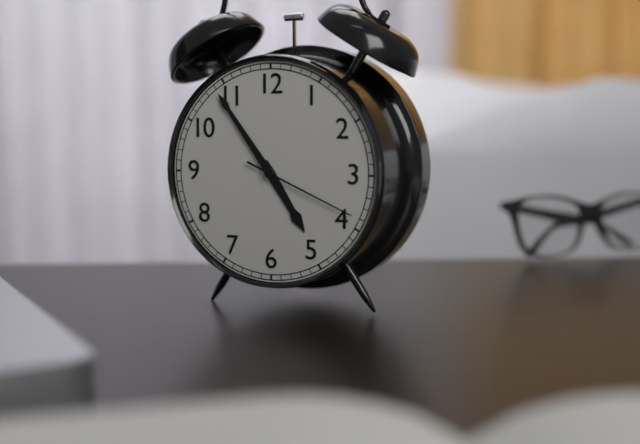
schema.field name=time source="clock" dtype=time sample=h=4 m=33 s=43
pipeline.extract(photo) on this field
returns h=4 m=54 s=19
